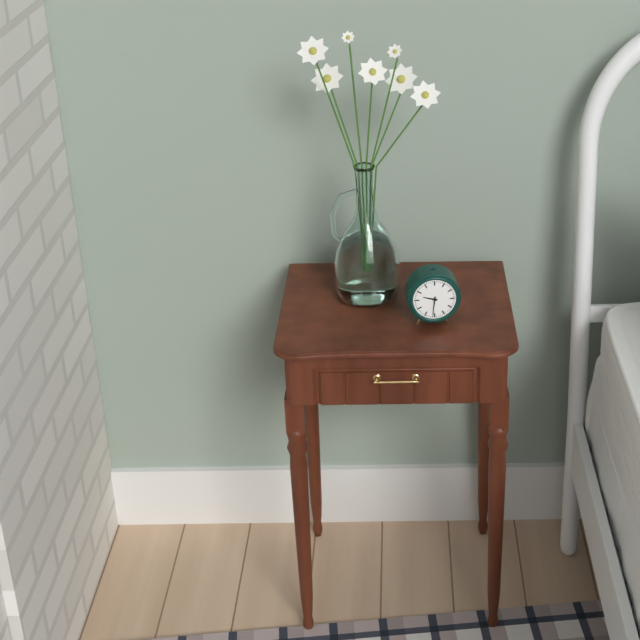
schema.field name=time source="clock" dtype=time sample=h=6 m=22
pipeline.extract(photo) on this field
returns h=9 m=31
